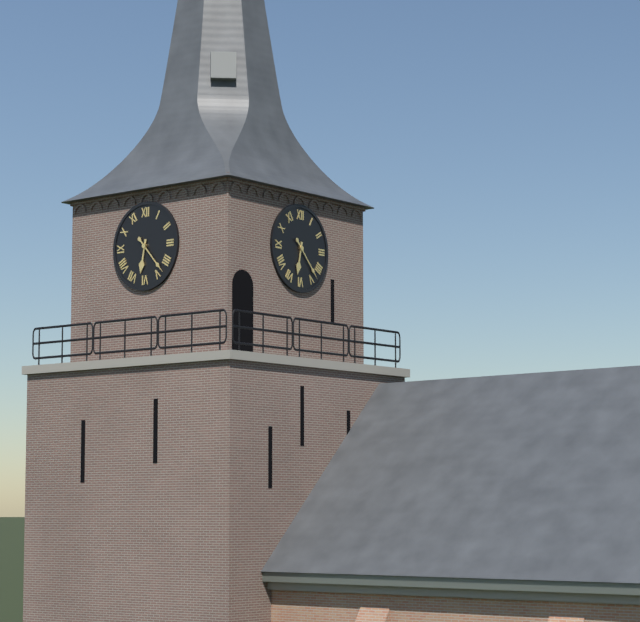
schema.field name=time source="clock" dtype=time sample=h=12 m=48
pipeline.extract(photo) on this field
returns h=6 m=23
